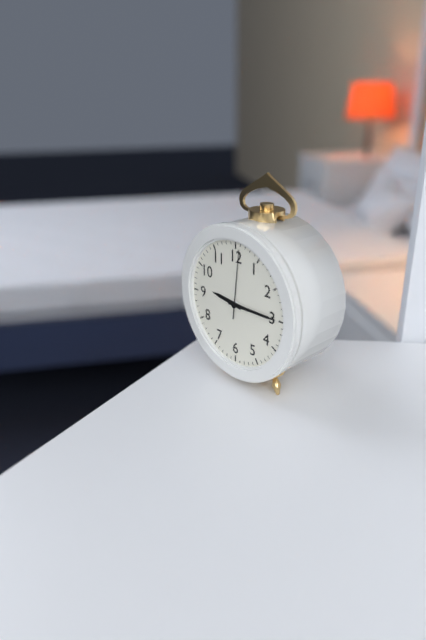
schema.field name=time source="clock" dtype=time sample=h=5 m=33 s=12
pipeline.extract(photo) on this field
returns h=9 m=15 s=1
